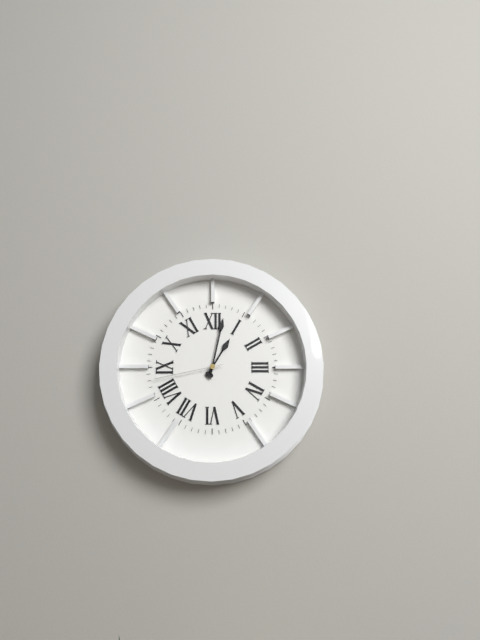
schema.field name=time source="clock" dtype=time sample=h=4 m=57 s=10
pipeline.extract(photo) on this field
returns h=1 m=2 s=43
